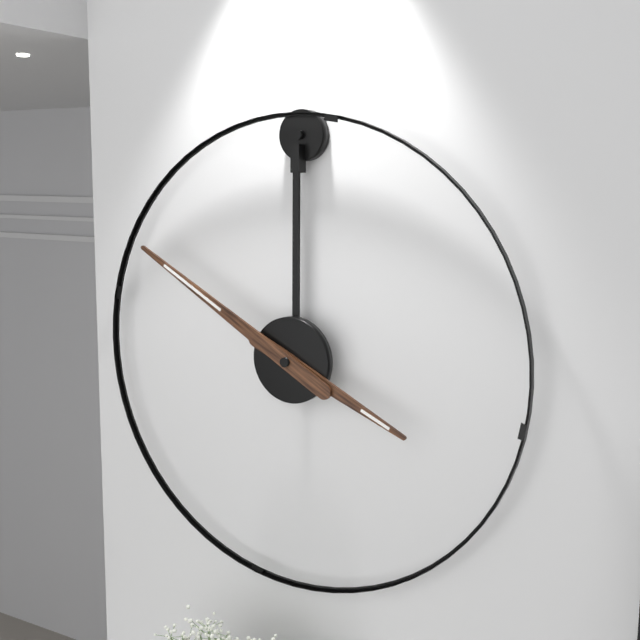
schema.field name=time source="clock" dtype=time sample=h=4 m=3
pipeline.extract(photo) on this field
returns h=3 m=50
